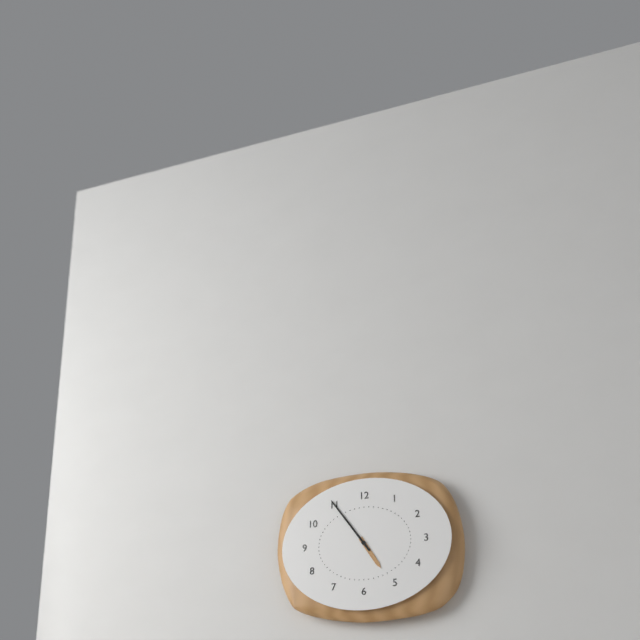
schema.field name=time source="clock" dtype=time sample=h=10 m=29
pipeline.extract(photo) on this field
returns h=4 m=54
